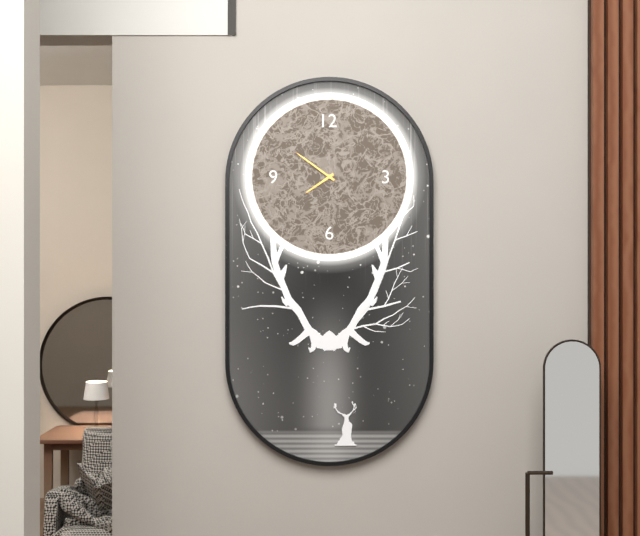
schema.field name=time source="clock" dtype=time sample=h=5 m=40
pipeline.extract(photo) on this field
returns h=7 m=51
